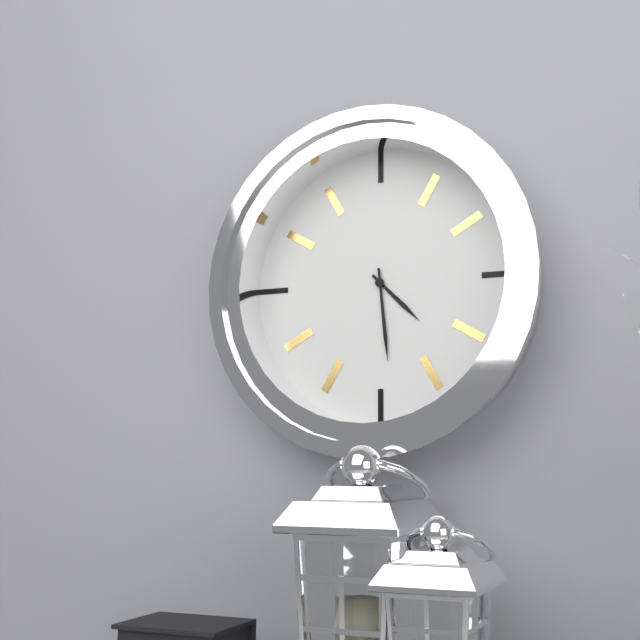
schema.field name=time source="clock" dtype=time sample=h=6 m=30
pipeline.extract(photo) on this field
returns h=4 m=29
